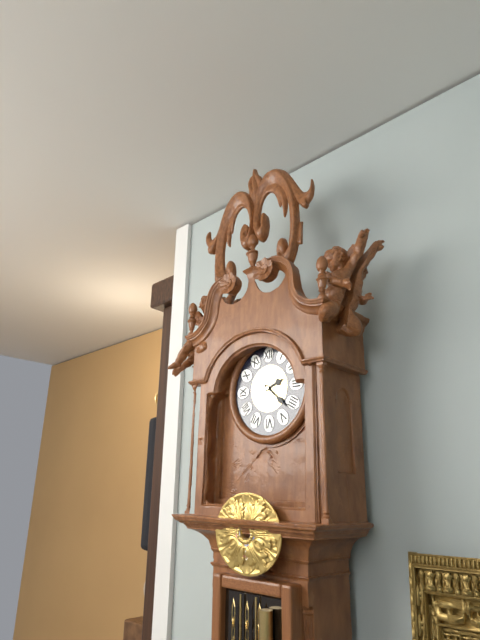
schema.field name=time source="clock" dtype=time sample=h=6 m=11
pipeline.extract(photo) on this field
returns h=2 m=22
